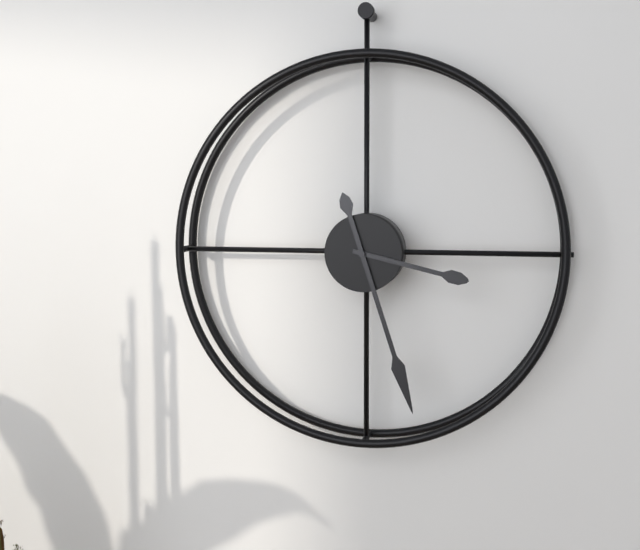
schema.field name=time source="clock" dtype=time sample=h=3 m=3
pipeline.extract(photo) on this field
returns h=3 m=27
